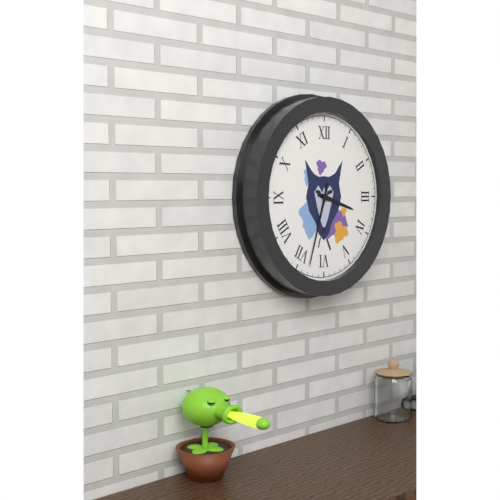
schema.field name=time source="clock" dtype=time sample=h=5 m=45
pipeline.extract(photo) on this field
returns h=3 m=33
